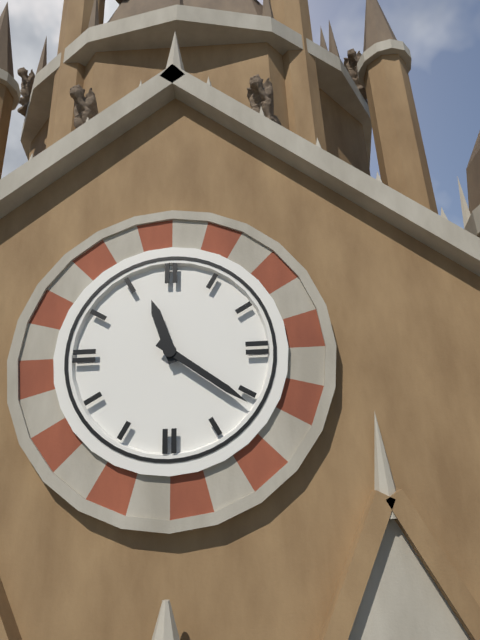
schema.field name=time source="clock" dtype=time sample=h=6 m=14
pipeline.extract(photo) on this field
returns h=11 m=21
